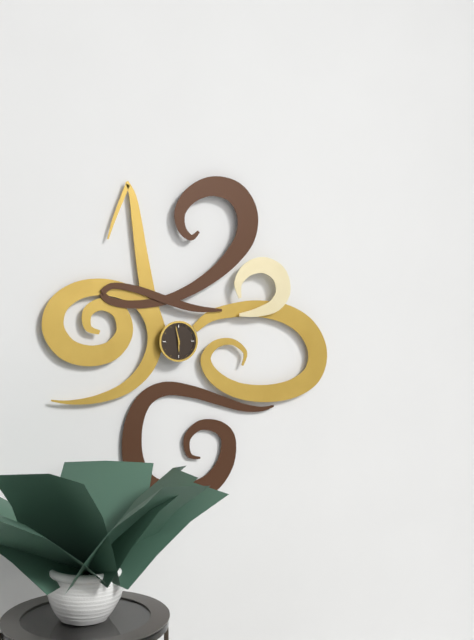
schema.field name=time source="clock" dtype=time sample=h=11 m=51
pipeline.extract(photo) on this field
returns h=5 m=58
